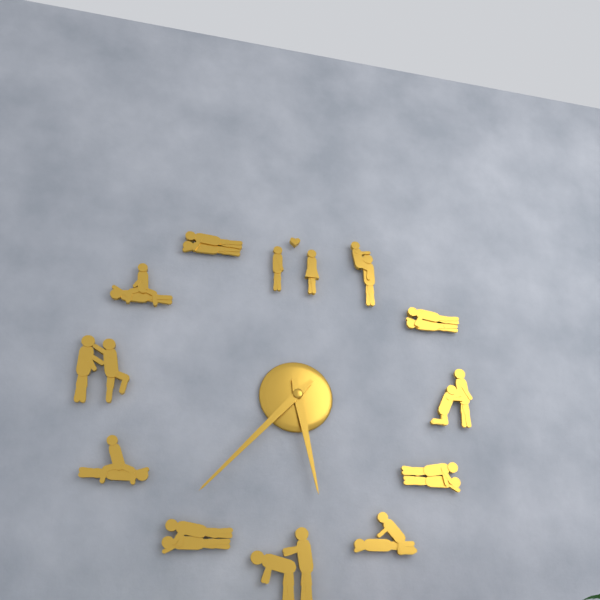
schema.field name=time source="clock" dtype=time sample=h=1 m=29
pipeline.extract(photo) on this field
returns h=5 m=37
